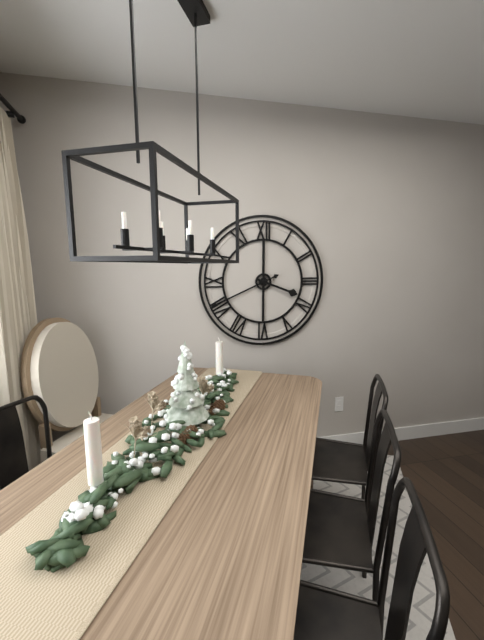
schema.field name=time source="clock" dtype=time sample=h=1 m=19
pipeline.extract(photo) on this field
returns h=3 m=41
